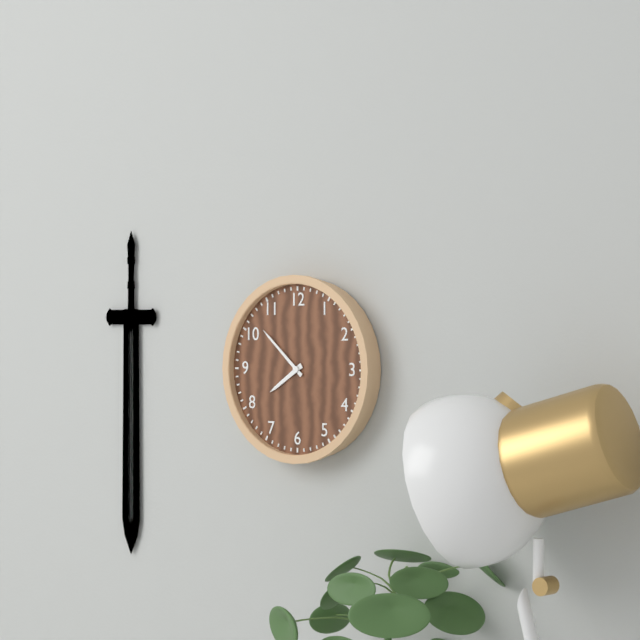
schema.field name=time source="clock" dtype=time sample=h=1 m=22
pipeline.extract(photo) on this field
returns h=7 m=52
